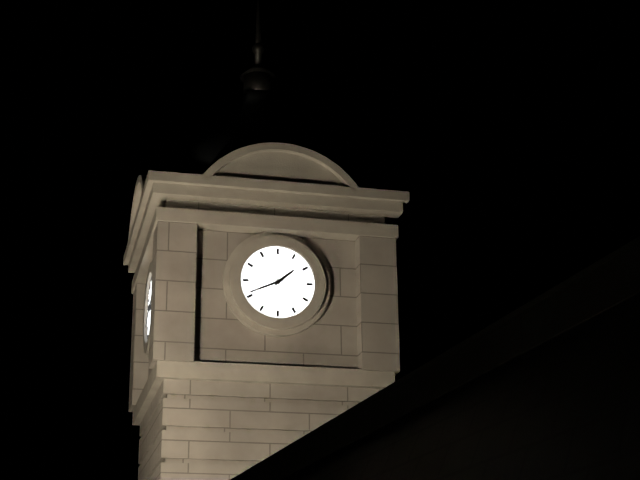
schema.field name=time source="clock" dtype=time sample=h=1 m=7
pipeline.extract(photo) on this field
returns h=1 m=41
